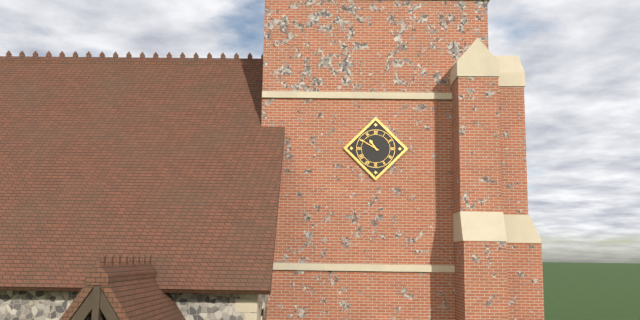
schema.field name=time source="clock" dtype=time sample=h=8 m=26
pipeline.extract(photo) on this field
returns h=10 m=50
